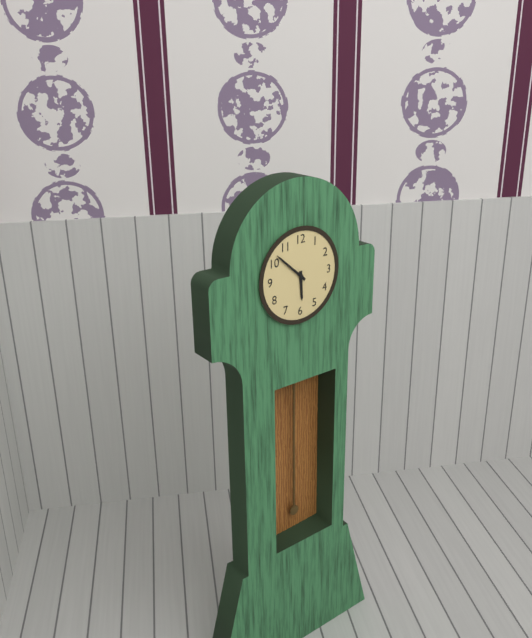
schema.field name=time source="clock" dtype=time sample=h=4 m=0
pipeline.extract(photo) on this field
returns h=5 m=52
